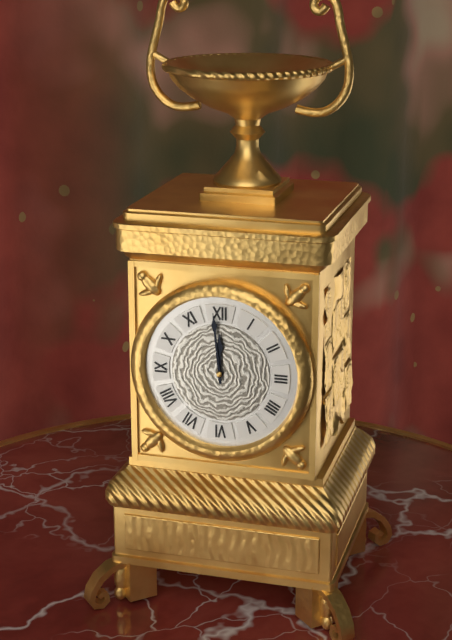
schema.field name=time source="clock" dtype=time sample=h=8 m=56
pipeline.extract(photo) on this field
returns h=11 m=59
